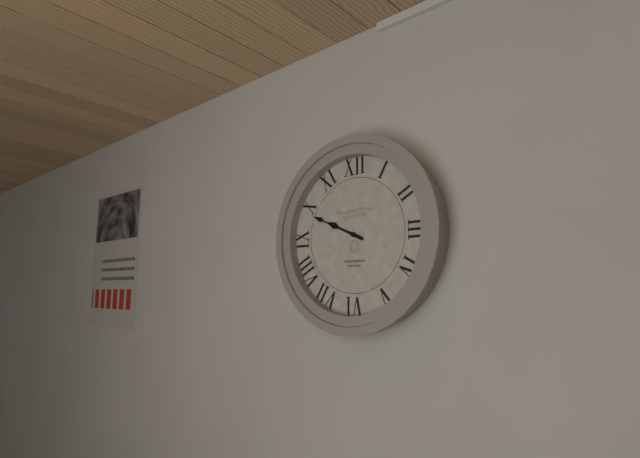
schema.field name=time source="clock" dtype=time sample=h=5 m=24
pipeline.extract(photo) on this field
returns h=9 m=49
